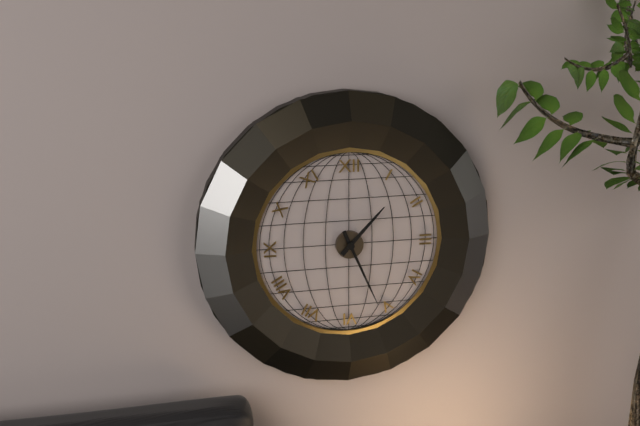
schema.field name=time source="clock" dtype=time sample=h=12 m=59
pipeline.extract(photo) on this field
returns h=1 m=26
